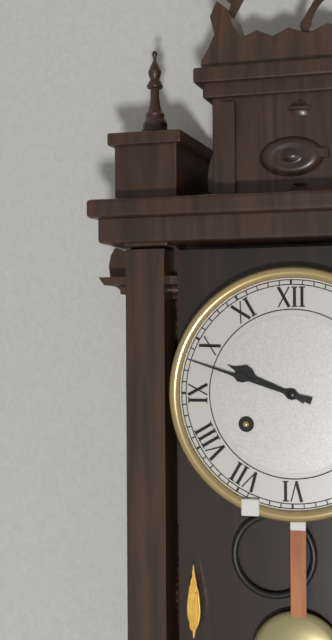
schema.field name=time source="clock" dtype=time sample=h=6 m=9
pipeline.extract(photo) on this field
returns h=9 m=48
